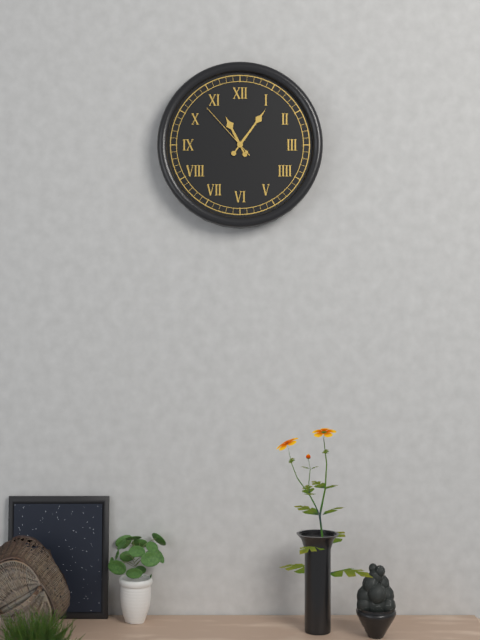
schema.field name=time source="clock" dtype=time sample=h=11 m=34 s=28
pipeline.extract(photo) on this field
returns h=11 m=6 s=53
